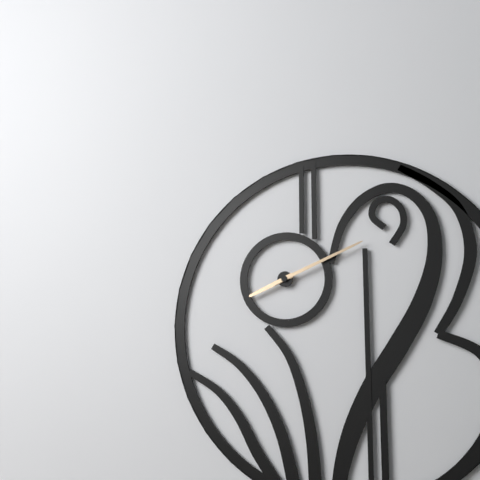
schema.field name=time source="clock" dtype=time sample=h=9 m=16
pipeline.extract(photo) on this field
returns h=8 m=11
